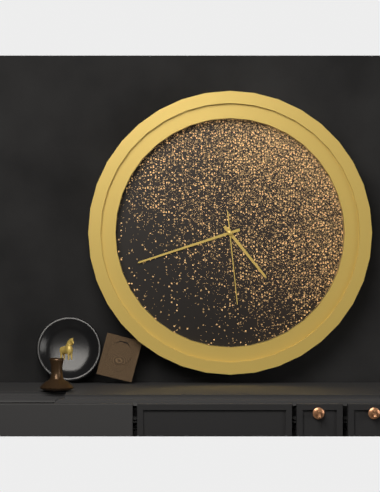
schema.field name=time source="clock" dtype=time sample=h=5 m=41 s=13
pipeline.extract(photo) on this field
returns h=4 m=42 s=29
